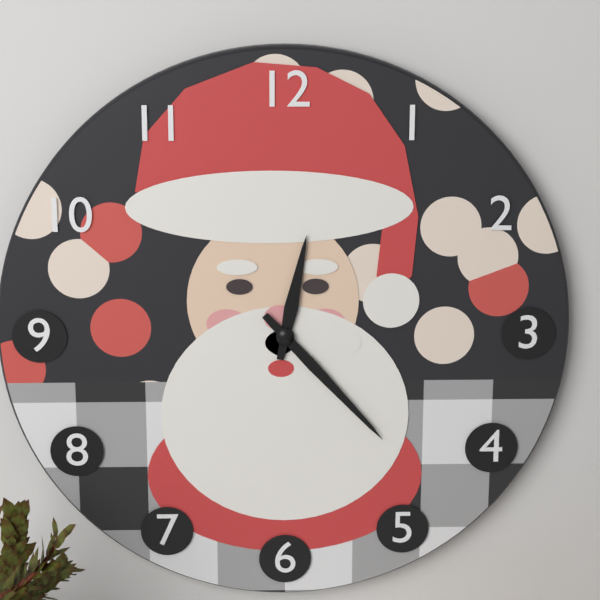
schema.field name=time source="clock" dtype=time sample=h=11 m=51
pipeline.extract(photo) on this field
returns h=12 m=23
